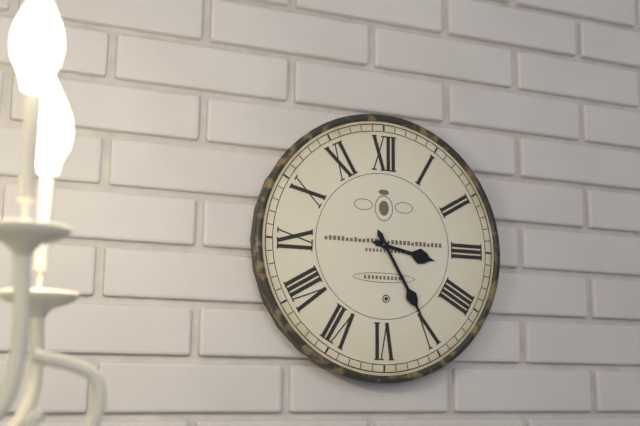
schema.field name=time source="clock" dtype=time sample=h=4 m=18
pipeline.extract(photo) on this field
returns h=3 m=25
